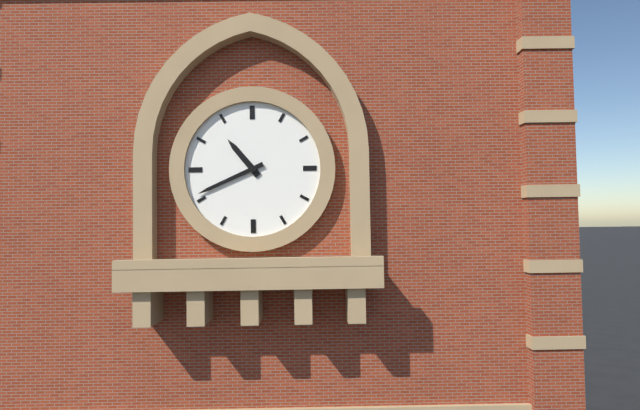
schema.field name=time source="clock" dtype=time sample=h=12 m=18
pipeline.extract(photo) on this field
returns h=10 m=41
